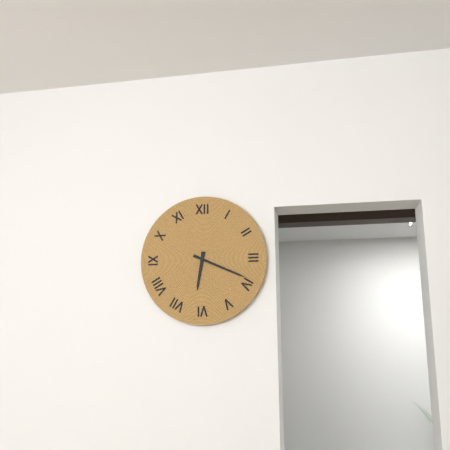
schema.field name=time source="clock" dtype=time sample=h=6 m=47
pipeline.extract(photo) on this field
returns h=6 m=19
